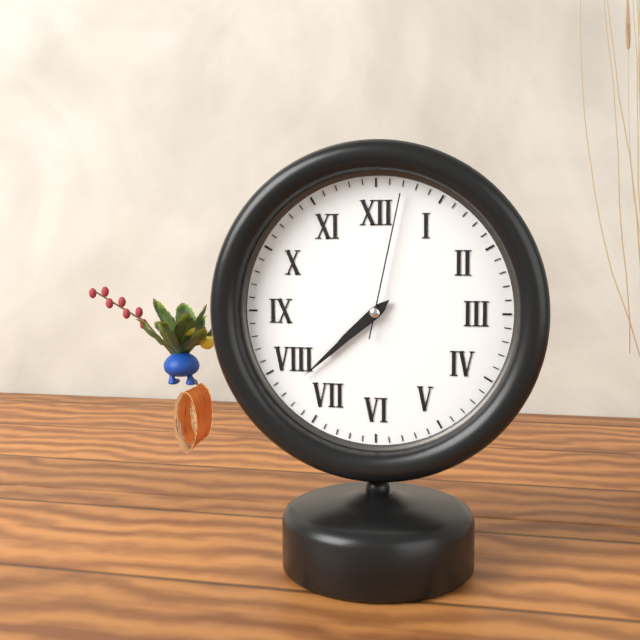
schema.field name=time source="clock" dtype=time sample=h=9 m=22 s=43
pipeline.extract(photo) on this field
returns h=7 m=38 s=2
